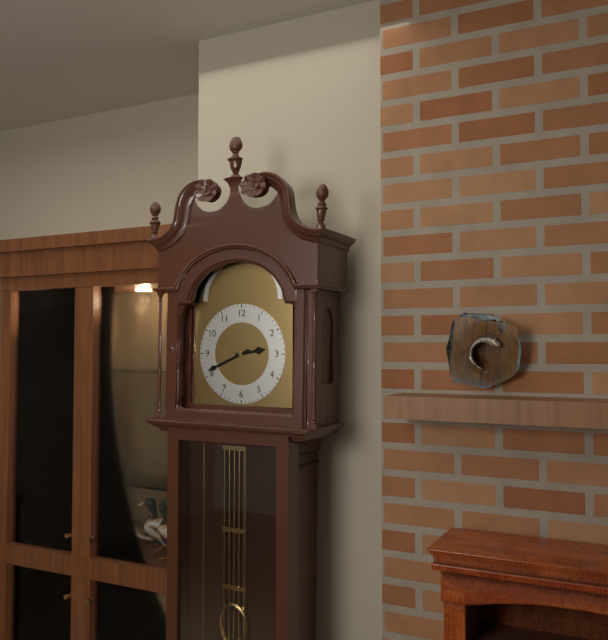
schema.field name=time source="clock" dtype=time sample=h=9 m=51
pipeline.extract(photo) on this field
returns h=2 m=41
